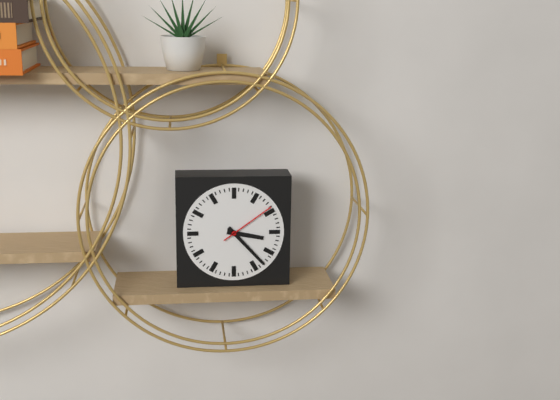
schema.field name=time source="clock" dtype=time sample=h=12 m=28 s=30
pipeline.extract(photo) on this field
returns h=3 m=23 s=9
